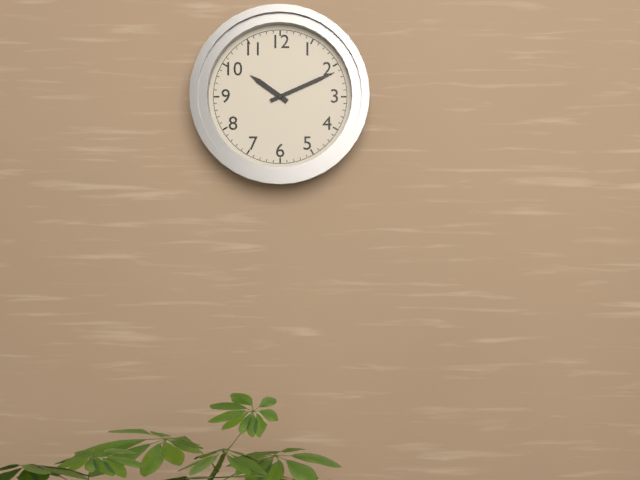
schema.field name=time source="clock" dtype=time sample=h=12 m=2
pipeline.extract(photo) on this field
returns h=10 m=11
